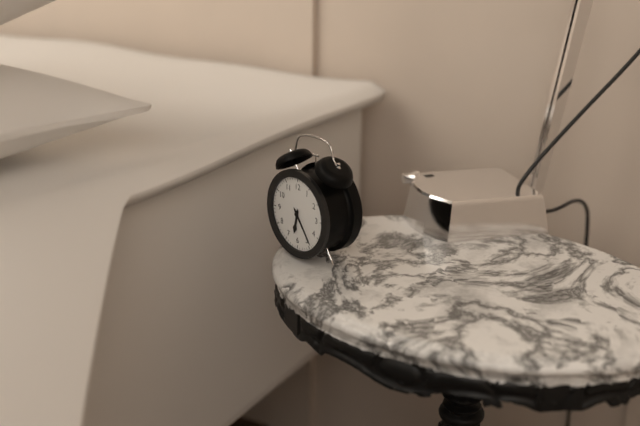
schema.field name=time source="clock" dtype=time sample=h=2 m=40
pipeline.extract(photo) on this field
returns h=6 m=24
